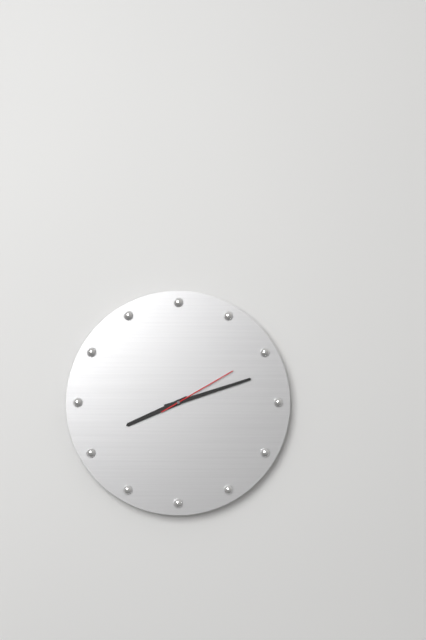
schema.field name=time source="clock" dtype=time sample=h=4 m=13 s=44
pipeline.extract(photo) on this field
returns h=8 m=12 s=10
